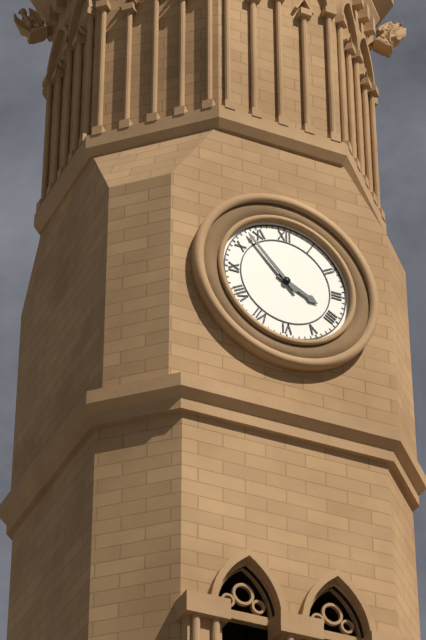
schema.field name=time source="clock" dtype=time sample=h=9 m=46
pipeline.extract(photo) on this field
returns h=3 m=53
